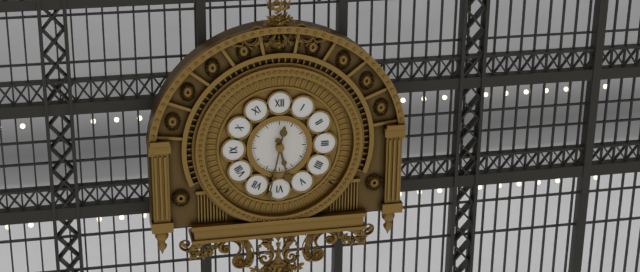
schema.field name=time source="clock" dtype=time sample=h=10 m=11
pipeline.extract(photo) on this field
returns h=5 m=32
